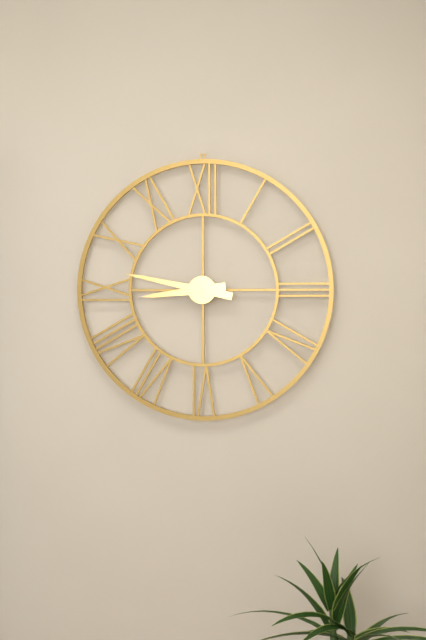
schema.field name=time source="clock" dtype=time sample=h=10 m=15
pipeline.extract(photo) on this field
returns h=8 m=47
